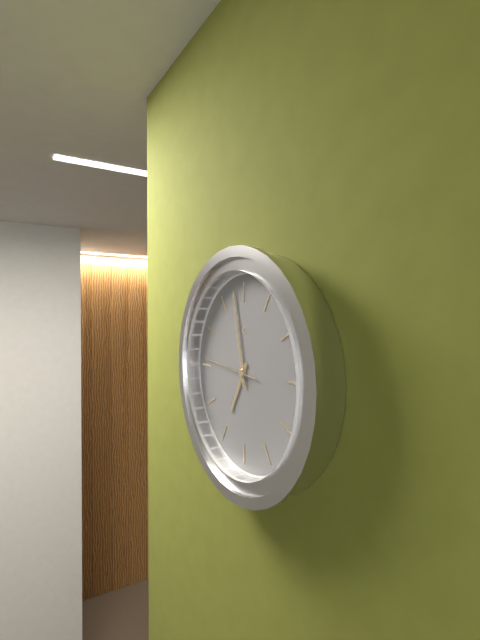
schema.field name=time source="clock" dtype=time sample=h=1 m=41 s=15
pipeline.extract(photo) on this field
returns h=6 m=58 s=46
